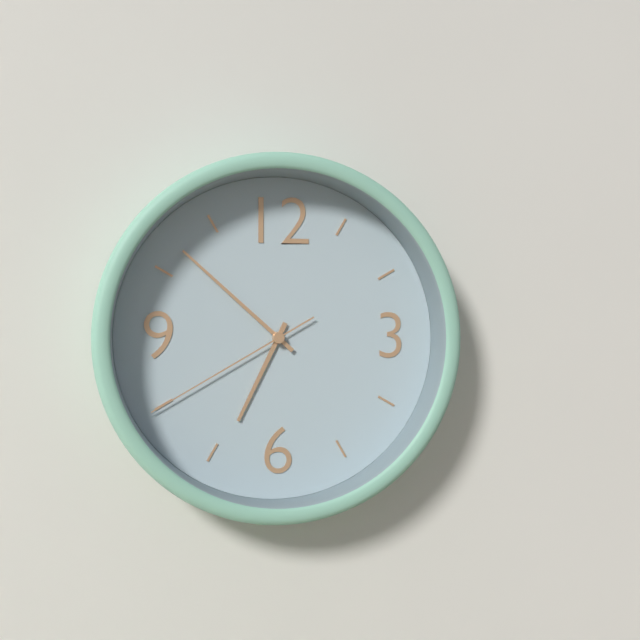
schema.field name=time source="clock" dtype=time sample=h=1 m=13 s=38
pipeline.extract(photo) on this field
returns h=6 m=52 s=40
